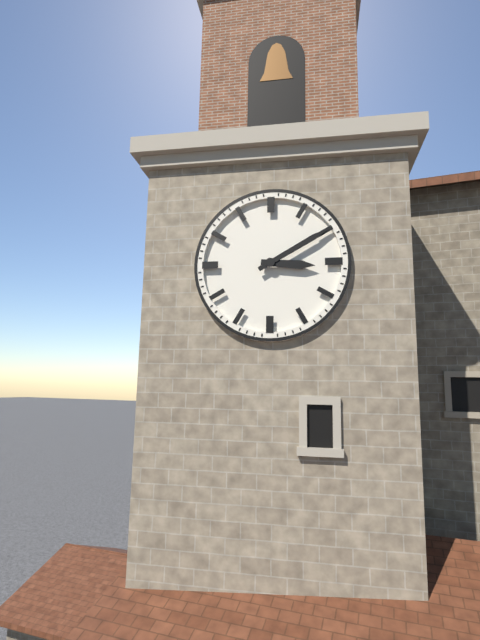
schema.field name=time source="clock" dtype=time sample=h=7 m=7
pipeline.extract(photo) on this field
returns h=3 m=10
